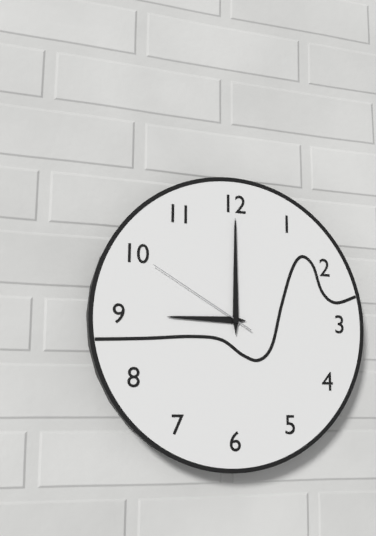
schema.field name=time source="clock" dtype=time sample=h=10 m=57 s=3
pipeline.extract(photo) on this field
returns h=9 m=0 s=50
